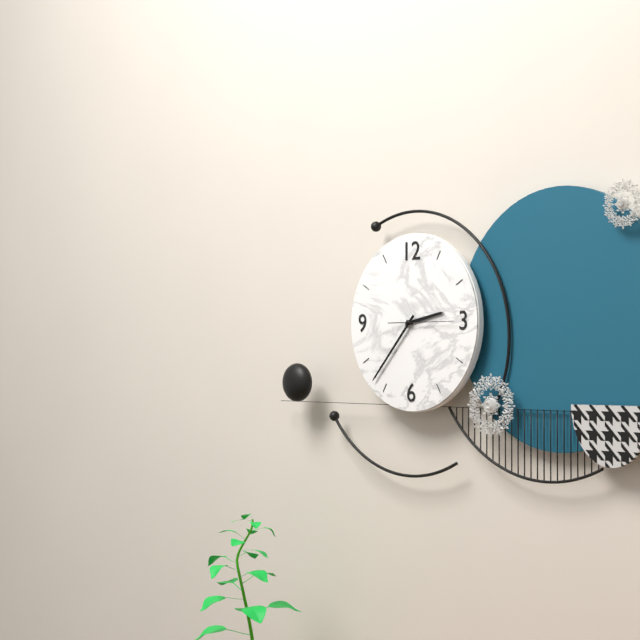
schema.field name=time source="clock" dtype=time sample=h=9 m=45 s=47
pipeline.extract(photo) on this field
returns h=2 m=37 s=15
